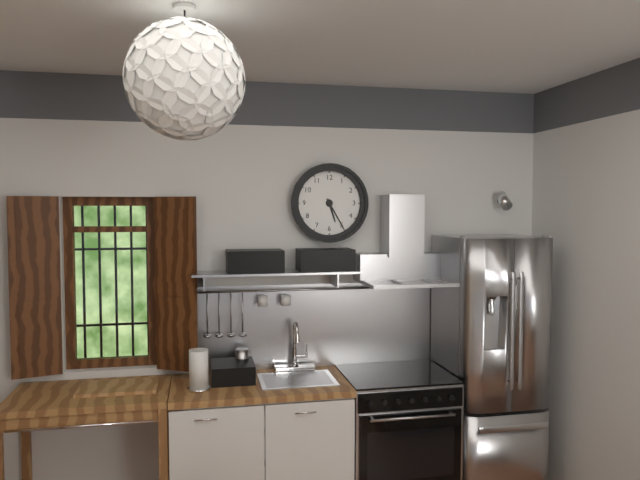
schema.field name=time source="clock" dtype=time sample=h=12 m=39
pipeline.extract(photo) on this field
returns h=5 m=25
